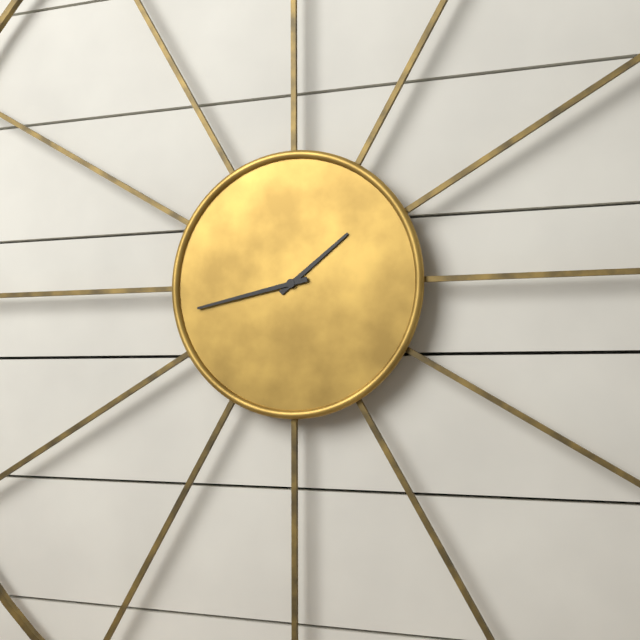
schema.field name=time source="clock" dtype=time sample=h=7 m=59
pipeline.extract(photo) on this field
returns h=1 m=43
